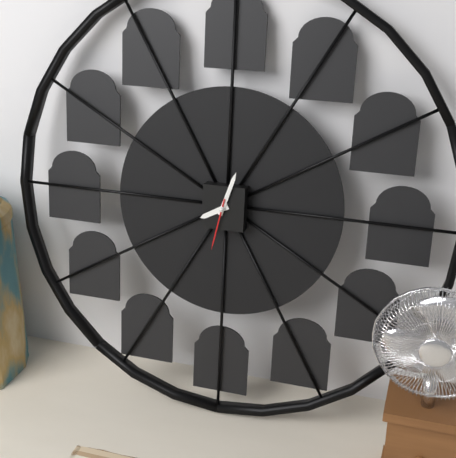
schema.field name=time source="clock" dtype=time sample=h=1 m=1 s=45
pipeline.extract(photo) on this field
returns h=8 m=3 s=32
